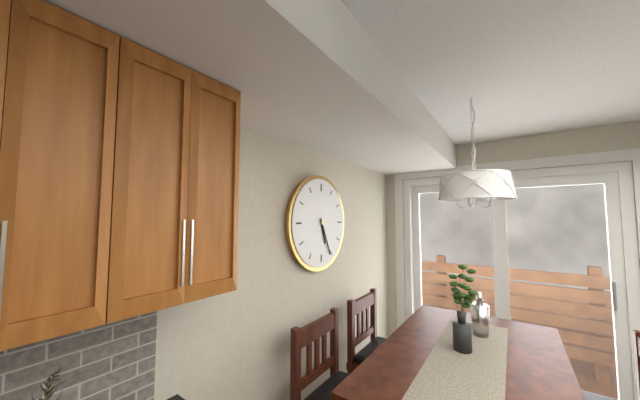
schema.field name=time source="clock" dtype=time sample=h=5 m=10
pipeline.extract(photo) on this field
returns h=5 m=26
